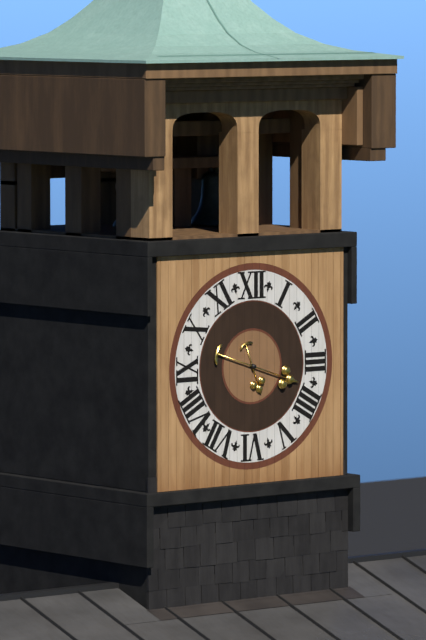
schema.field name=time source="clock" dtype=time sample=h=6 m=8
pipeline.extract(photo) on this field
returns h=5 m=18
